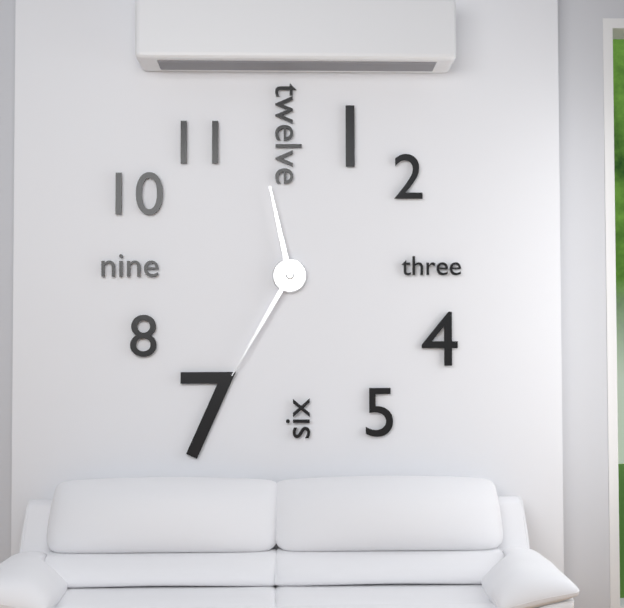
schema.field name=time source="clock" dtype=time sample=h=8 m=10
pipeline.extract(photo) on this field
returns h=11 m=35
